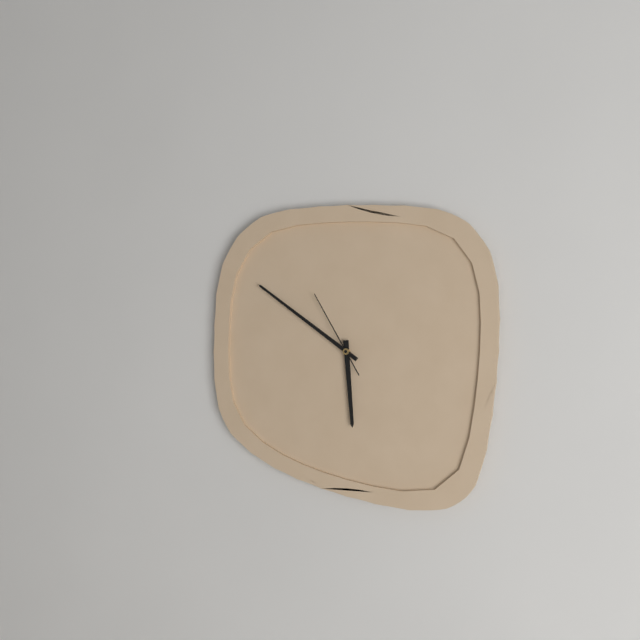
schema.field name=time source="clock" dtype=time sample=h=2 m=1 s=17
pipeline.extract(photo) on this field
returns h=5 m=51 s=55
